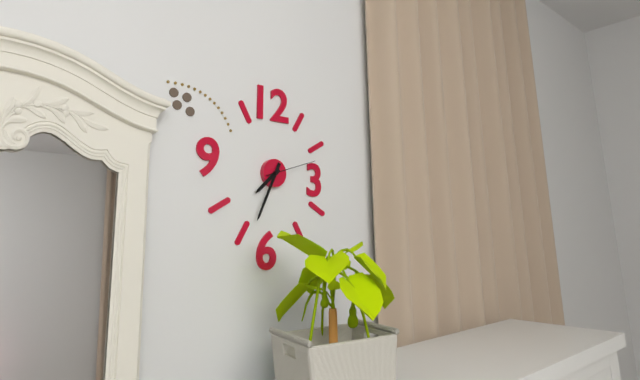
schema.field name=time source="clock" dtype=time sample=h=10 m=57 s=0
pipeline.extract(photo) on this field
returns h=7 m=34 s=12
